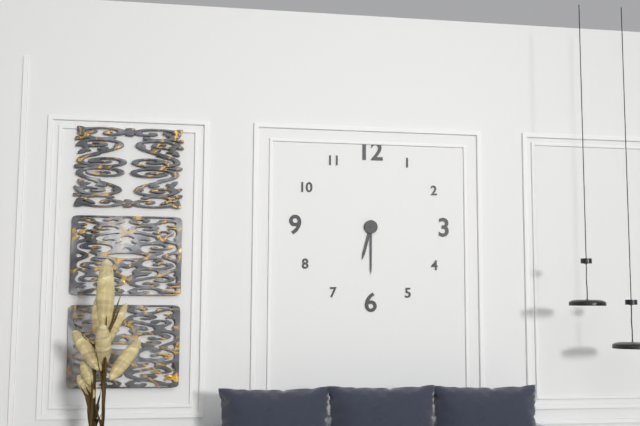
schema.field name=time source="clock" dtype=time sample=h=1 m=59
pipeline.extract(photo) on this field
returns h=6 m=30
